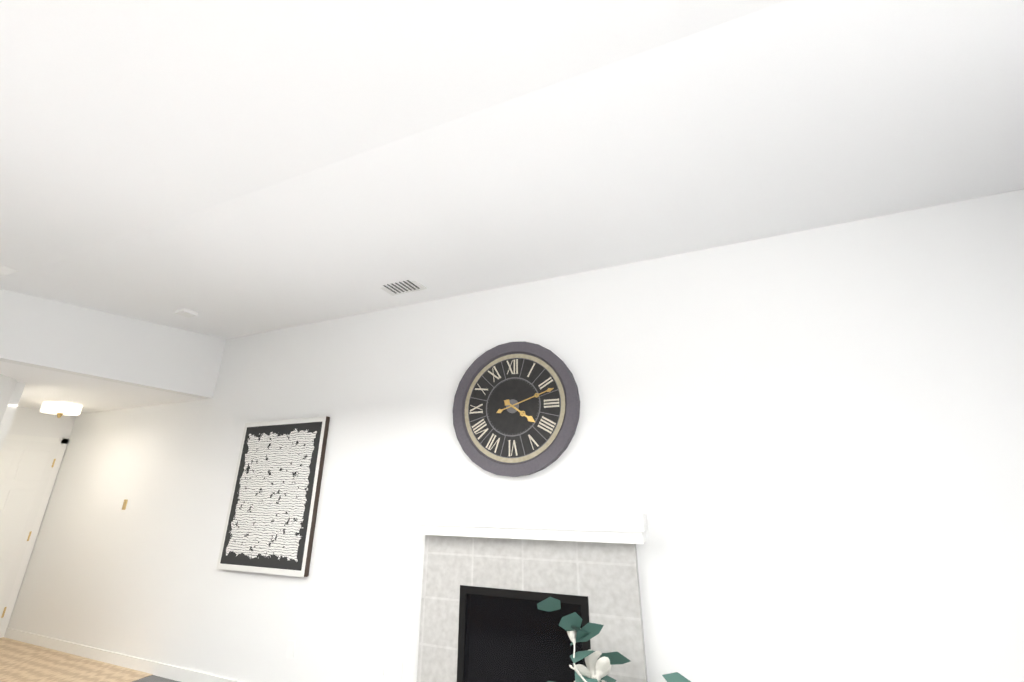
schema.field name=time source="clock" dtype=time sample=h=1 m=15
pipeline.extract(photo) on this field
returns h=4 m=12
